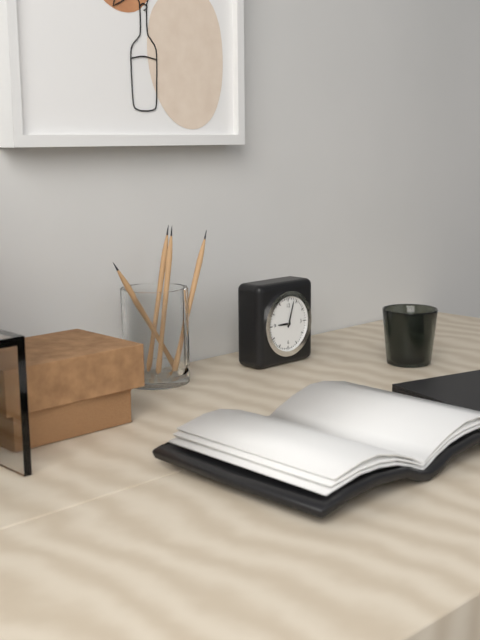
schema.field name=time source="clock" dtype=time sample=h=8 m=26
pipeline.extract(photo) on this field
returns h=9 m=3
